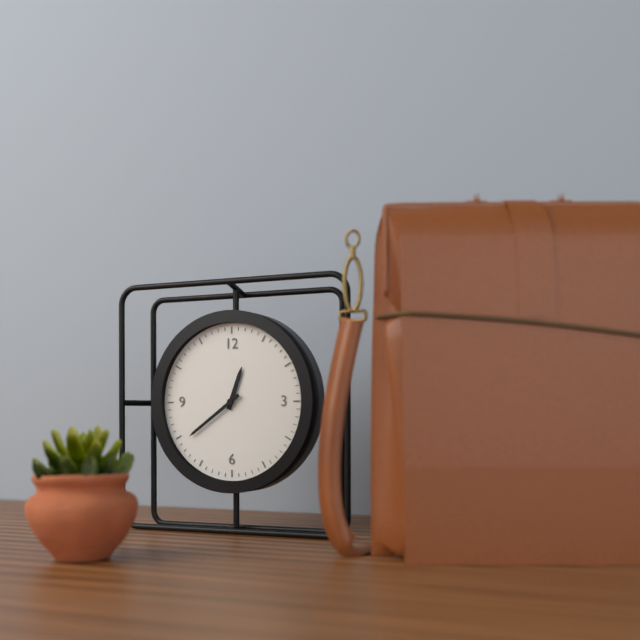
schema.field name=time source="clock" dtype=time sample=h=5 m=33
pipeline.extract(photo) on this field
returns h=12 m=39
